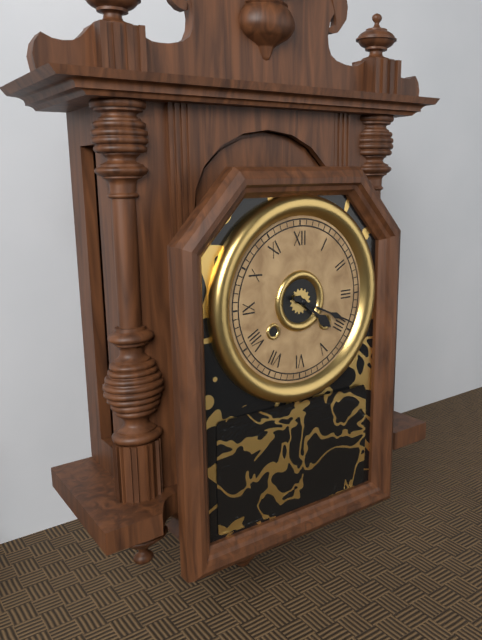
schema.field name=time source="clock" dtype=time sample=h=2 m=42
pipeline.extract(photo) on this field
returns h=4 m=19
